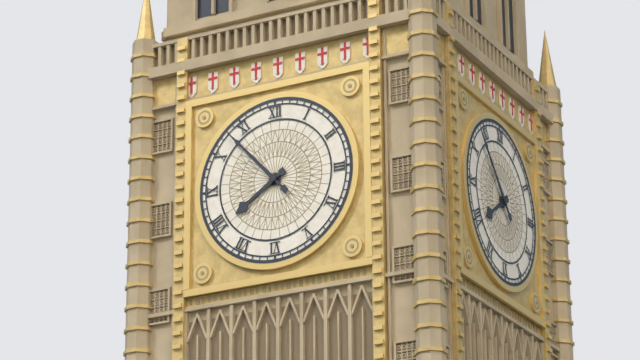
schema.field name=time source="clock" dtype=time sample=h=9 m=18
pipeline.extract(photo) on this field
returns h=7 m=53
